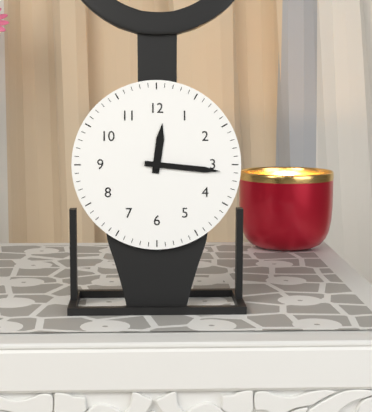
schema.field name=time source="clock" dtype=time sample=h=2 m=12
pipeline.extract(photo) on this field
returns h=12 m=16
